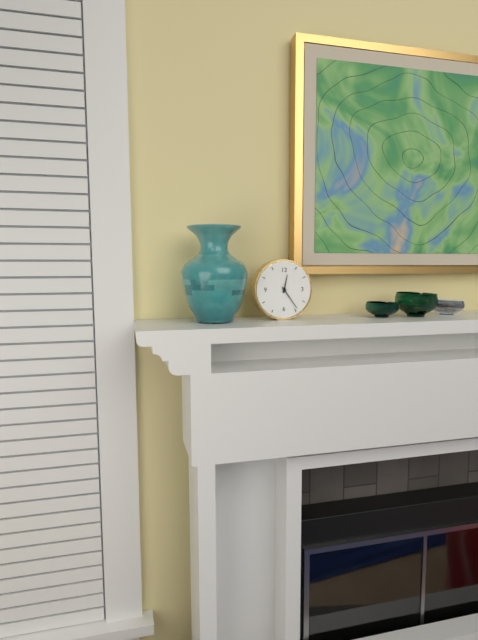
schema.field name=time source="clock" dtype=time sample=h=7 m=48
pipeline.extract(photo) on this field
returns h=12 m=24
